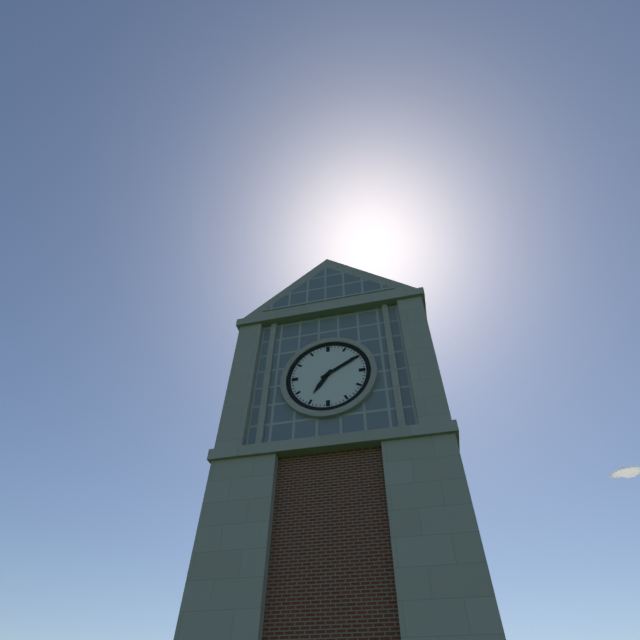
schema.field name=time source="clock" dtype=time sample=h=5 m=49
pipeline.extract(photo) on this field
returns h=7 m=10
